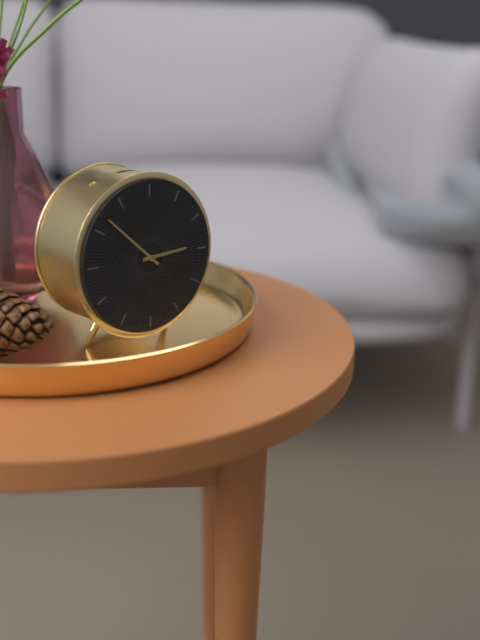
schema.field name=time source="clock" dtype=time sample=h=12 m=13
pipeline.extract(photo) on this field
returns h=2 m=52
